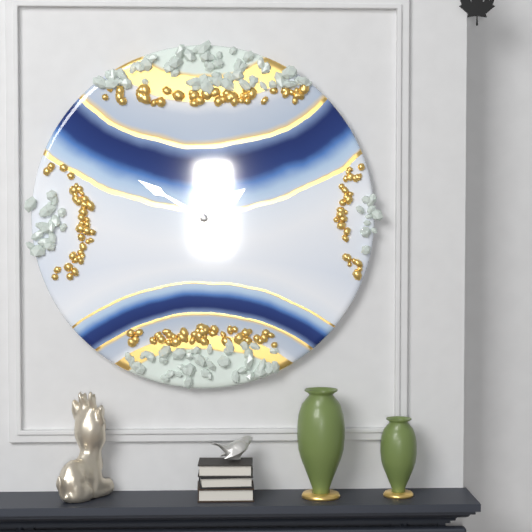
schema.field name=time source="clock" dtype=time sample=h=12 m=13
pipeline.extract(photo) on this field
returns h=1 m=50
